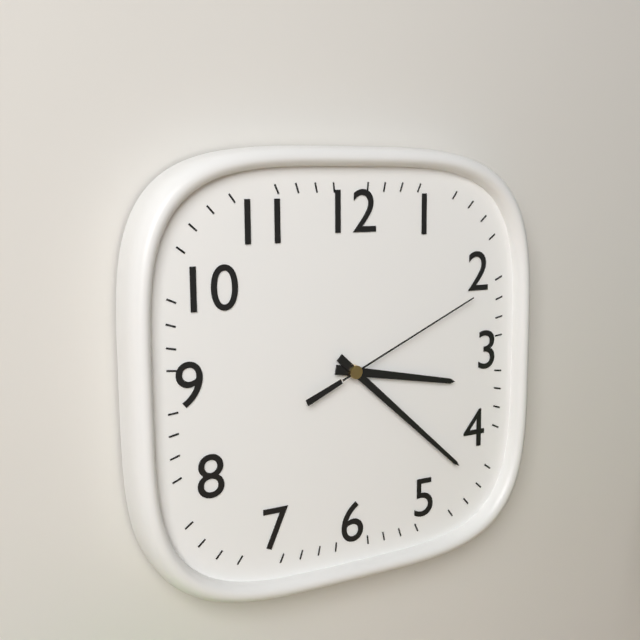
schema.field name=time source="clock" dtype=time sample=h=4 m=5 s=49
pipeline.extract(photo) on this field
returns h=3 m=22 s=11
